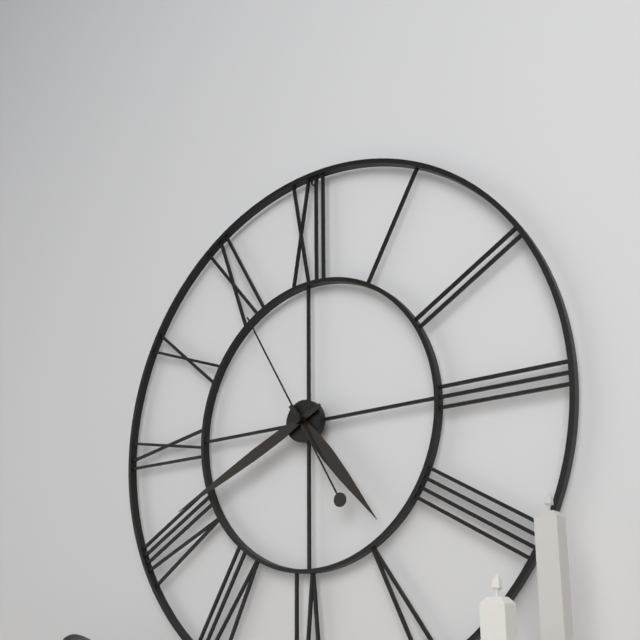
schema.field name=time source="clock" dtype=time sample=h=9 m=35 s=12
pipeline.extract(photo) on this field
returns h=4 m=41 s=55
